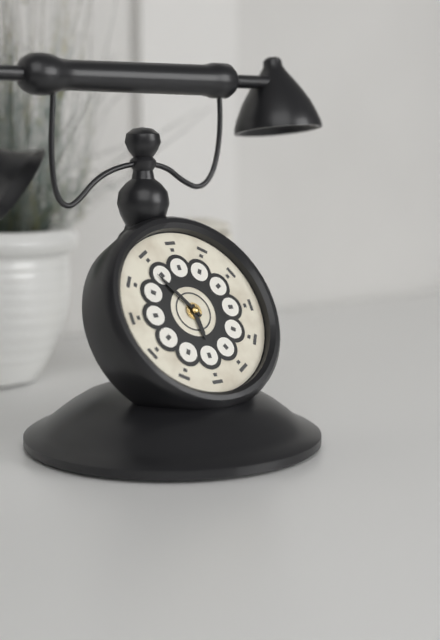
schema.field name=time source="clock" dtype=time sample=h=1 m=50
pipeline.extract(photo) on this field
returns h=5 m=54
